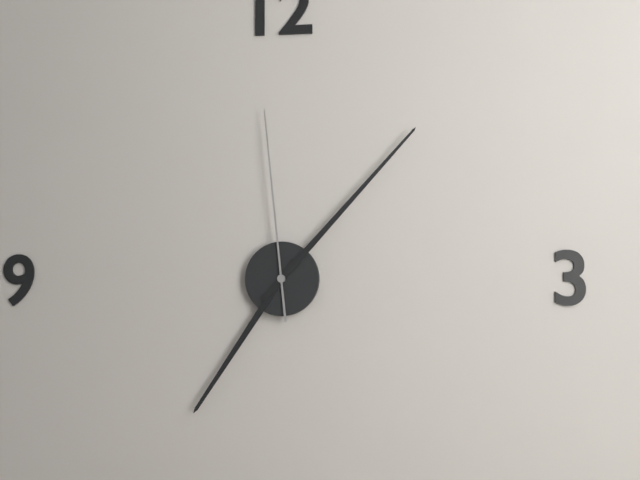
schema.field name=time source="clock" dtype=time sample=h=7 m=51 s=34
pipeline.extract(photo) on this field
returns h=7 m=7 s=59
